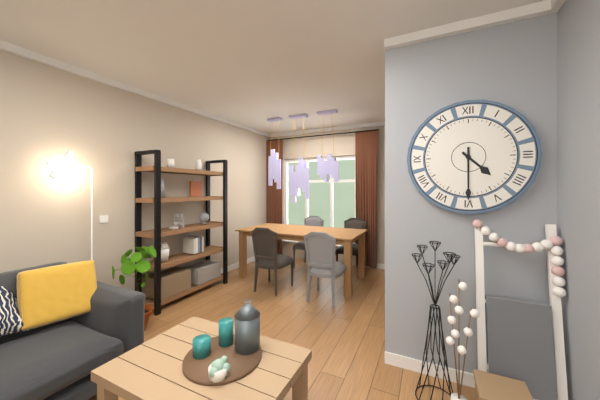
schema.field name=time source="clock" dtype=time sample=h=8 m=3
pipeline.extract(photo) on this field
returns h=4 m=30
